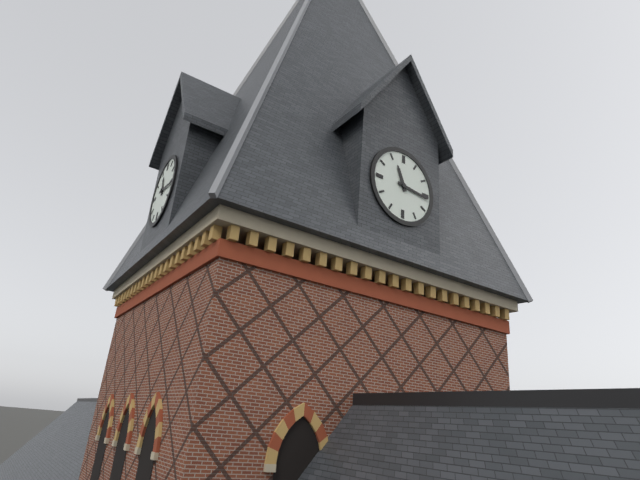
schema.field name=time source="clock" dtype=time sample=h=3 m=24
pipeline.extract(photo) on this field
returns h=11 m=16
